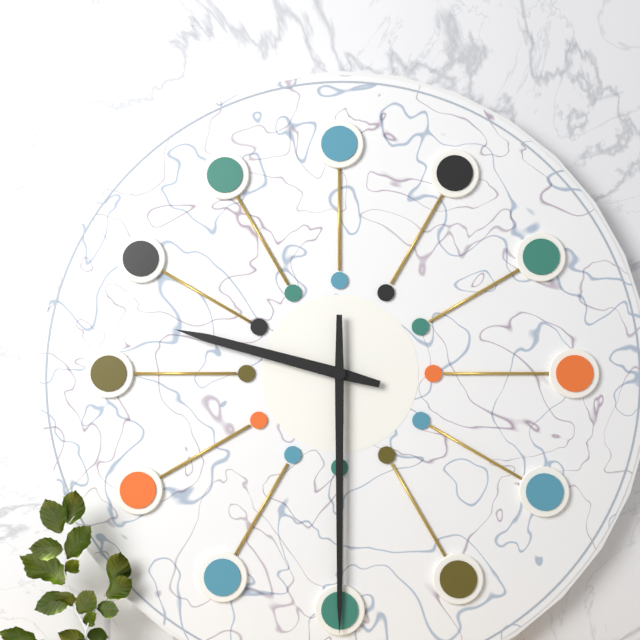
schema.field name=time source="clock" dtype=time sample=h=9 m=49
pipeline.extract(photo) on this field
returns h=9 m=30
